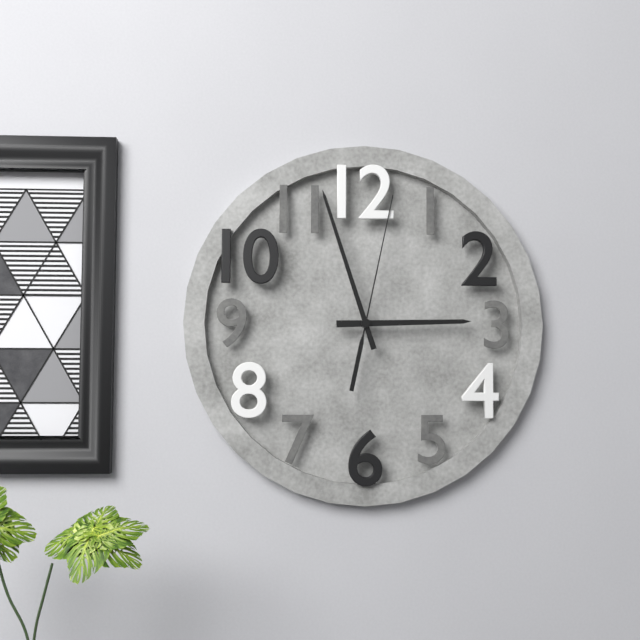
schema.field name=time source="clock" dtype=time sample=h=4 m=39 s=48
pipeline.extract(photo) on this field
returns h=2 m=57 s=2
